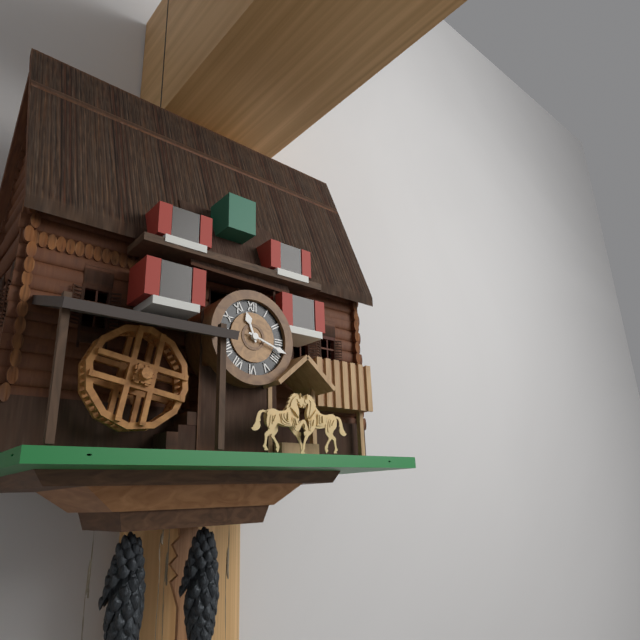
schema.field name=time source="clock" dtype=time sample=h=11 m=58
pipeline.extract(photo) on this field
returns h=11 m=18
